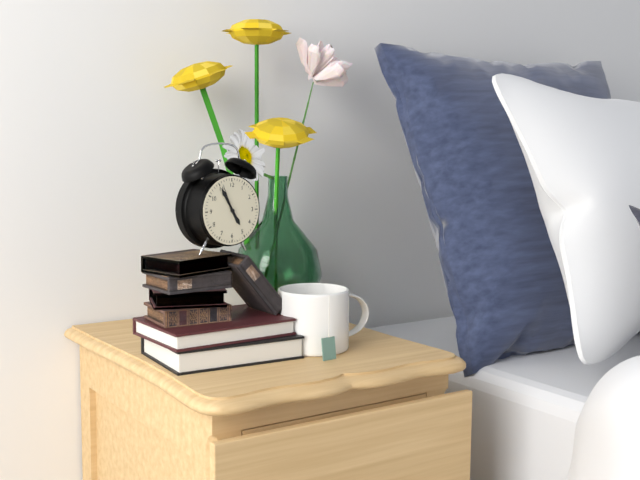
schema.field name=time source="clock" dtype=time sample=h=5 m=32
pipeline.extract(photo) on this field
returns h=4 m=55
